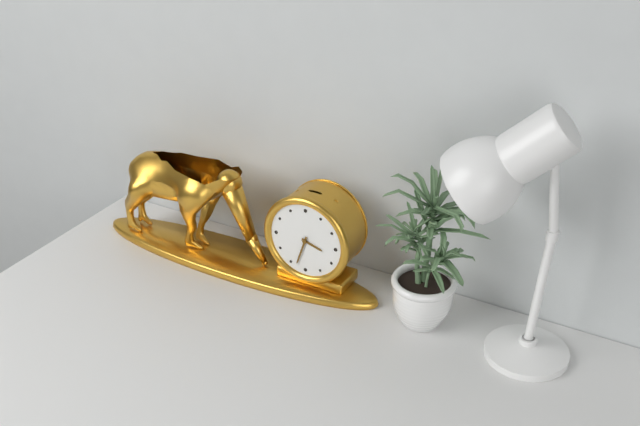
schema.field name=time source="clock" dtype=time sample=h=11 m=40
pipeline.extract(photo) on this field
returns h=3 m=33
